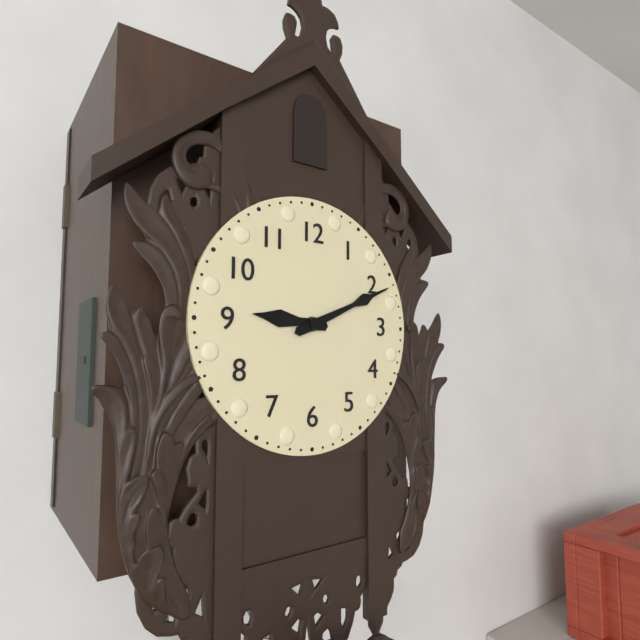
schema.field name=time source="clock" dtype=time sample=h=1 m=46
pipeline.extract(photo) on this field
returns h=9 m=11
